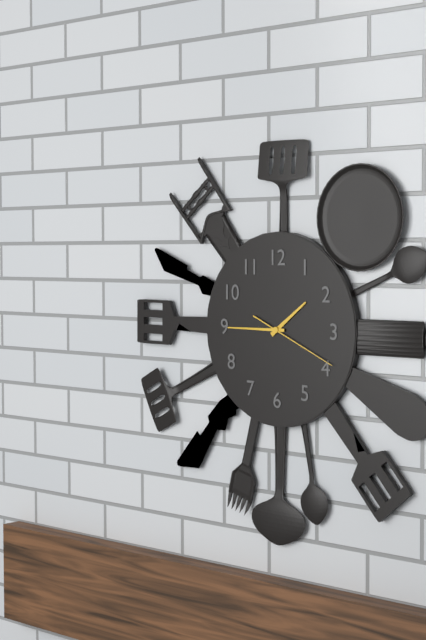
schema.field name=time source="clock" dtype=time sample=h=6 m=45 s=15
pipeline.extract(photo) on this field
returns h=1 m=45 s=19
